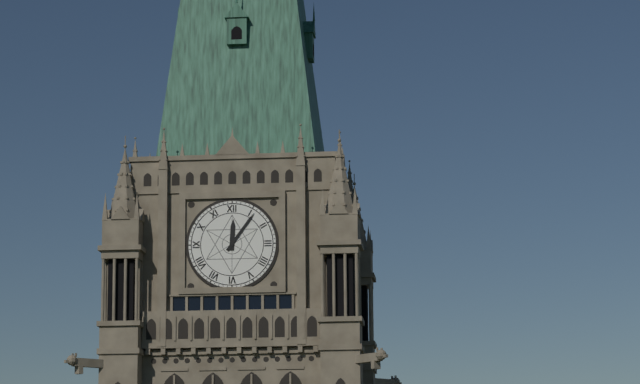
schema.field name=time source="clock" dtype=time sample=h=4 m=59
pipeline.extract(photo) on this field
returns h=12 m=6
